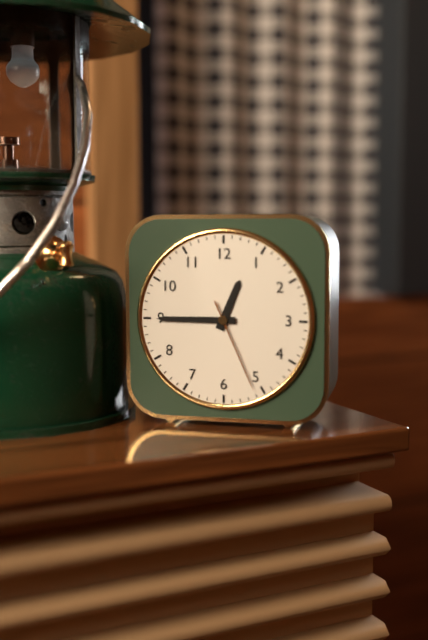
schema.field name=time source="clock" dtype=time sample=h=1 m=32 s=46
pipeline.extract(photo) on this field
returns h=12 m=45 s=26
